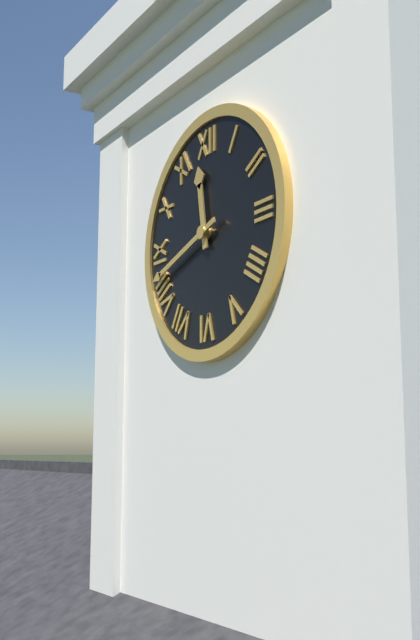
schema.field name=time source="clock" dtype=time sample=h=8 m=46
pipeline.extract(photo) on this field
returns h=11 m=42
